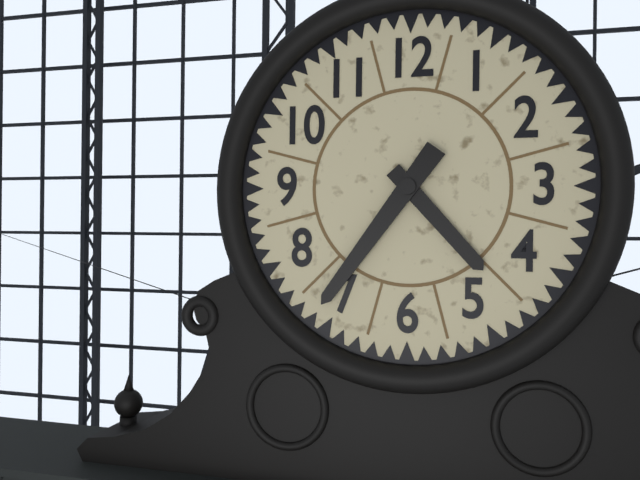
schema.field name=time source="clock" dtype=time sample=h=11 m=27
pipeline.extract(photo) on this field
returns h=4 m=36
